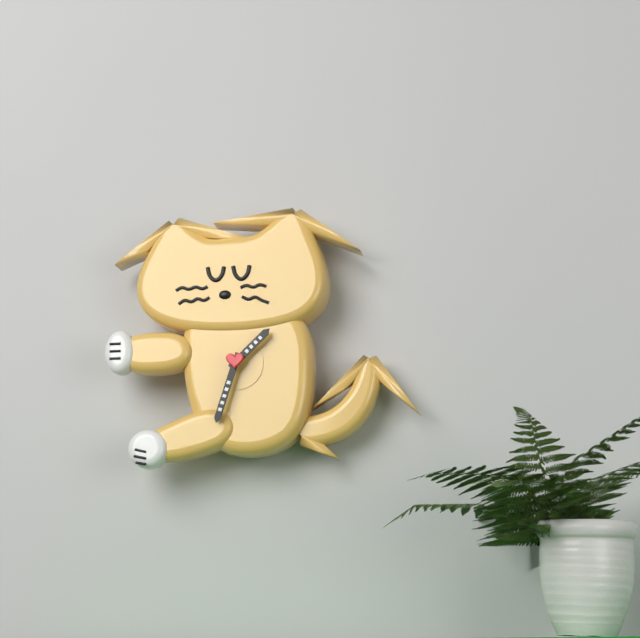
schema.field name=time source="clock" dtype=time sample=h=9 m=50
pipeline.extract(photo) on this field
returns h=1 m=33
